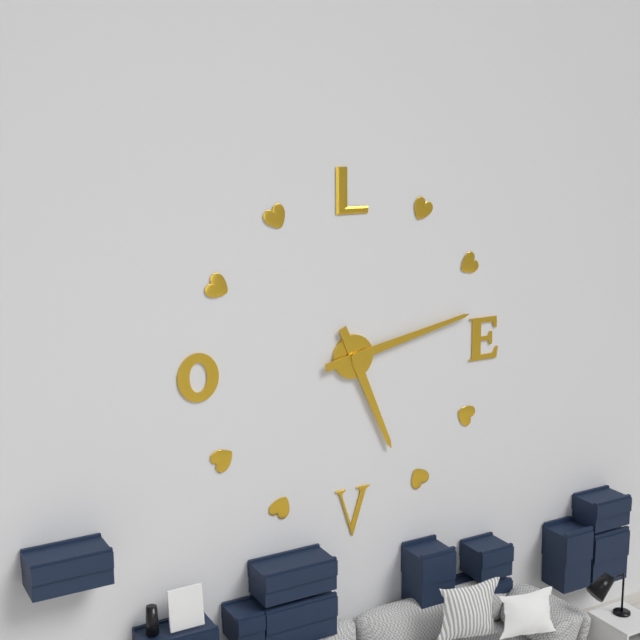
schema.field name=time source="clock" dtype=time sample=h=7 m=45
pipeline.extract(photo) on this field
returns h=5 m=13
